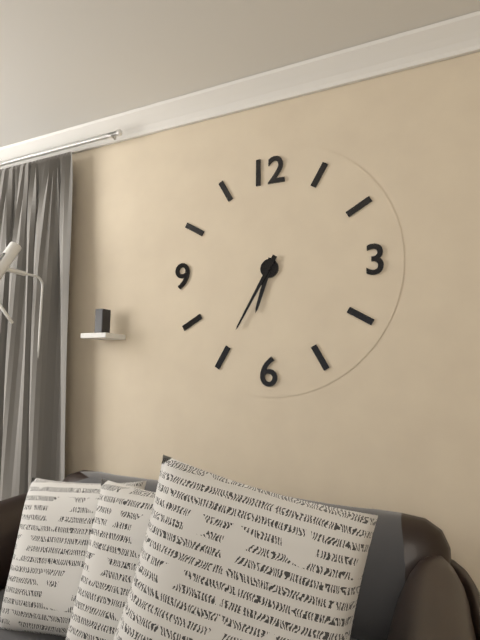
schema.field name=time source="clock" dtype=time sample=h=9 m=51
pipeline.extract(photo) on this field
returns h=6 m=35
